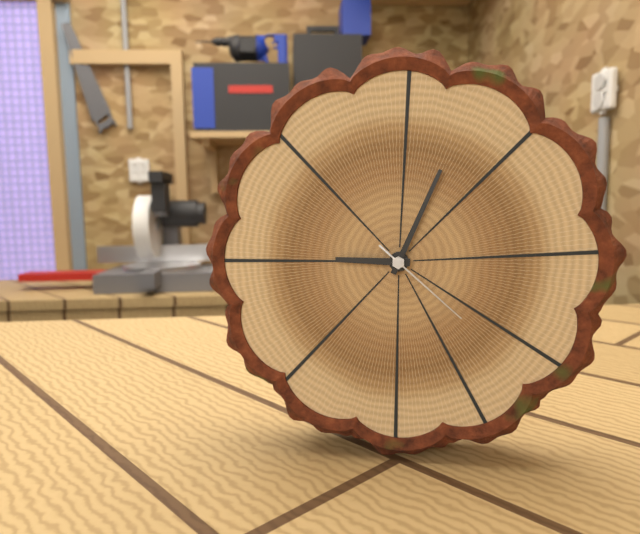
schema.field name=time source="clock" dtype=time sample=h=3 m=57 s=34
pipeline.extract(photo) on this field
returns h=9 m=4 s=22
